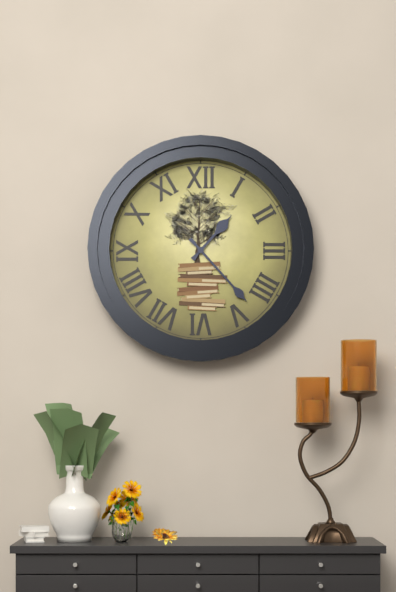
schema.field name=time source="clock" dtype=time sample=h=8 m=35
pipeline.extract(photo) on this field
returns h=1 m=23
